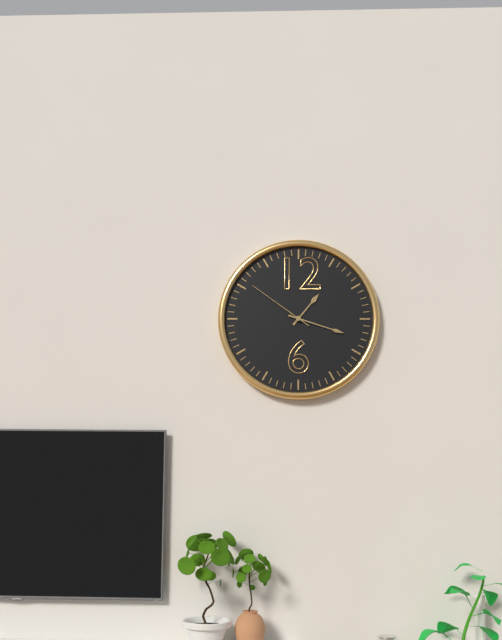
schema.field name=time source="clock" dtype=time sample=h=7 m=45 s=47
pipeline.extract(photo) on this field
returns h=1 m=18 s=51
